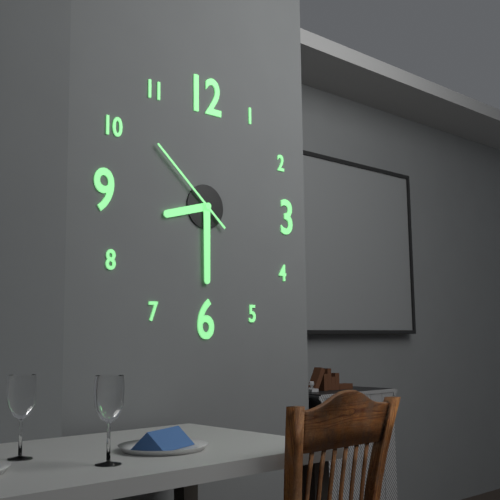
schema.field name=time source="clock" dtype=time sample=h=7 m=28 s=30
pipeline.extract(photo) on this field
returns h=8 m=30 s=52
